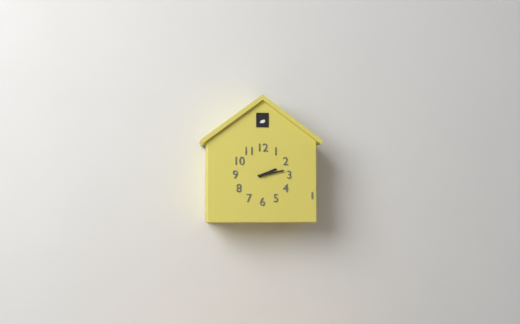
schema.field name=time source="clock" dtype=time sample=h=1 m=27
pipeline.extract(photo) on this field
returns h=2 m=13
